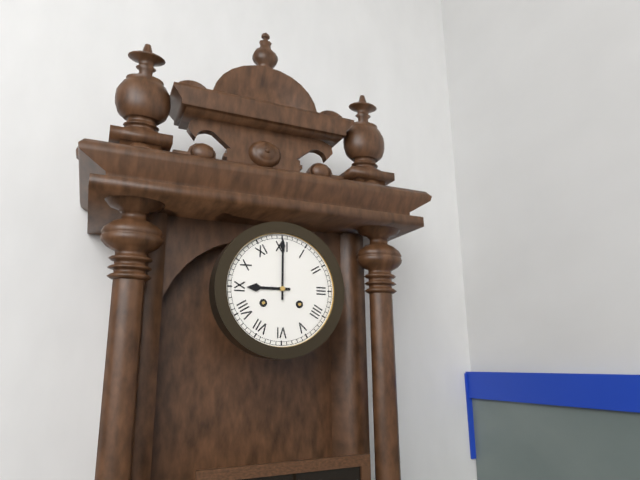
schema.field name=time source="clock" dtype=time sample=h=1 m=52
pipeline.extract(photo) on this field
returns h=9 m=0
